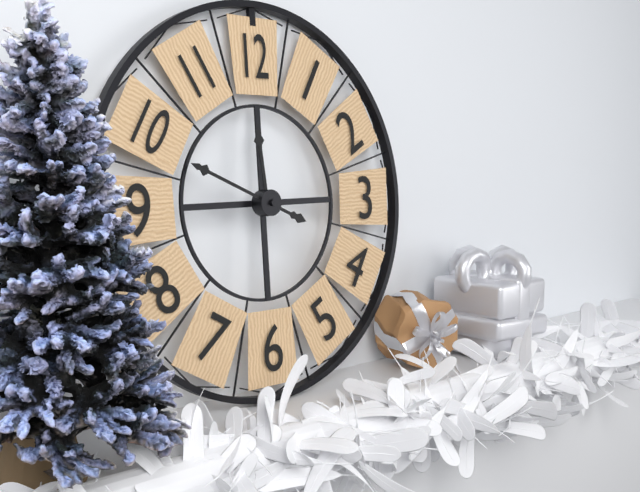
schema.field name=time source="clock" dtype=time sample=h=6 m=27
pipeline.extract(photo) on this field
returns h=11 m=49
